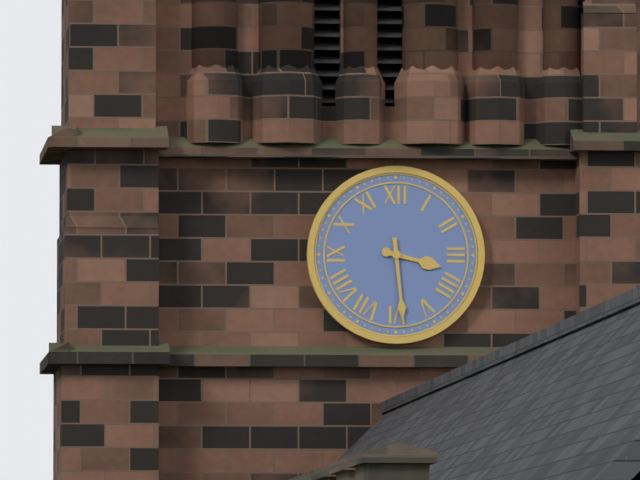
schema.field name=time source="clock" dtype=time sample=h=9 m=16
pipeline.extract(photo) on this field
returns h=3 m=29
